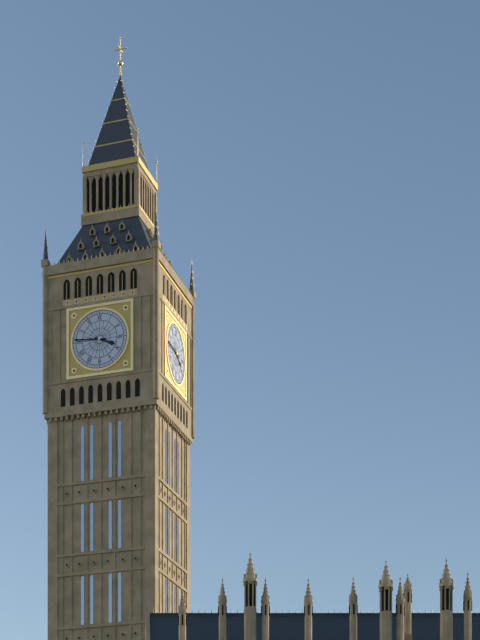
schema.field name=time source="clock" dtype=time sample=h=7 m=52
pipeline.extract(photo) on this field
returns h=3 m=46
